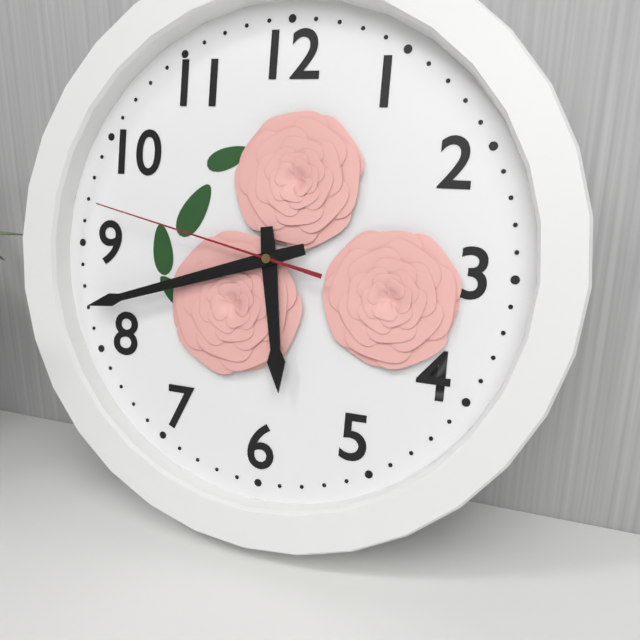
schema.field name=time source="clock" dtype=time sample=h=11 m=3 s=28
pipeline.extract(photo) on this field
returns h=5 m=42 s=47
